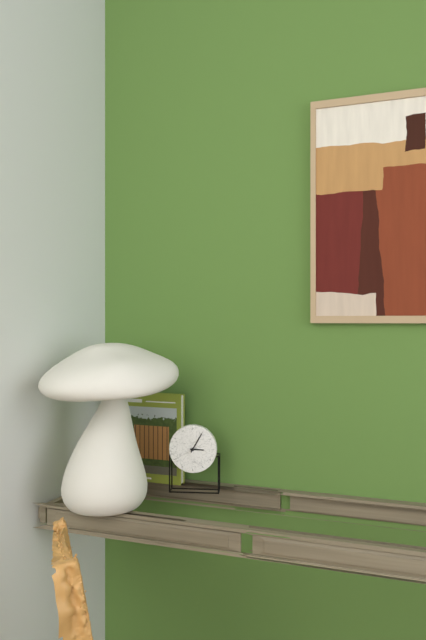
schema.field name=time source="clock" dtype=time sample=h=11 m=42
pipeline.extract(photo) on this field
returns h=3 m=5
